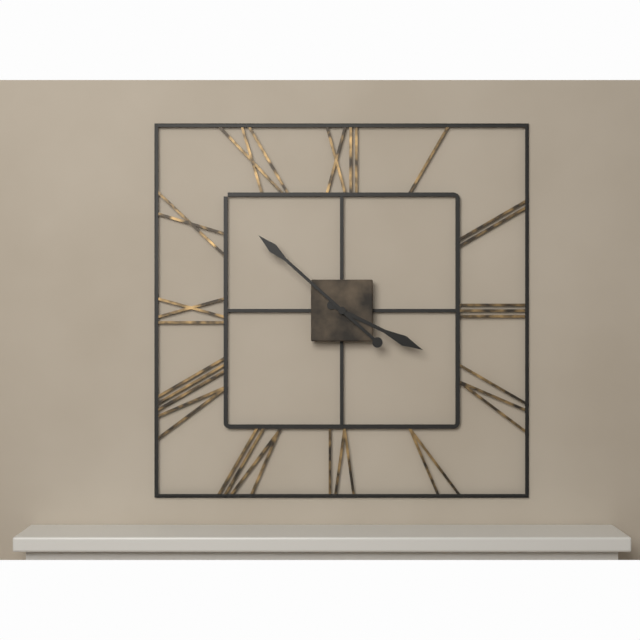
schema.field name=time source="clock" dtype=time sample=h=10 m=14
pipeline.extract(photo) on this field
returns h=3 m=52
